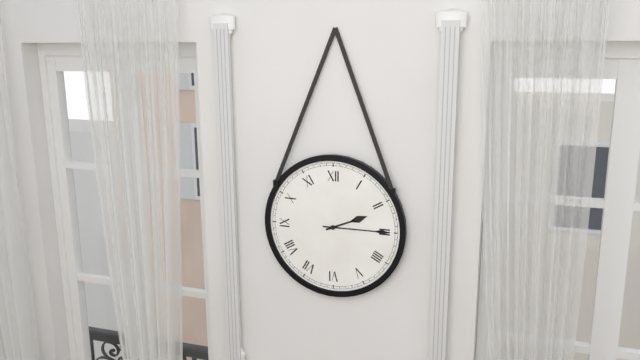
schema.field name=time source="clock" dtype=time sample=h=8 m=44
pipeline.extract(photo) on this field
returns h=2 m=15
